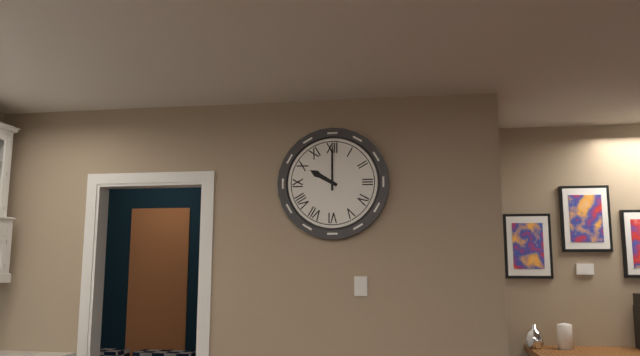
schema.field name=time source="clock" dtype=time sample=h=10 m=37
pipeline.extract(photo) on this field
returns h=10 m=0
